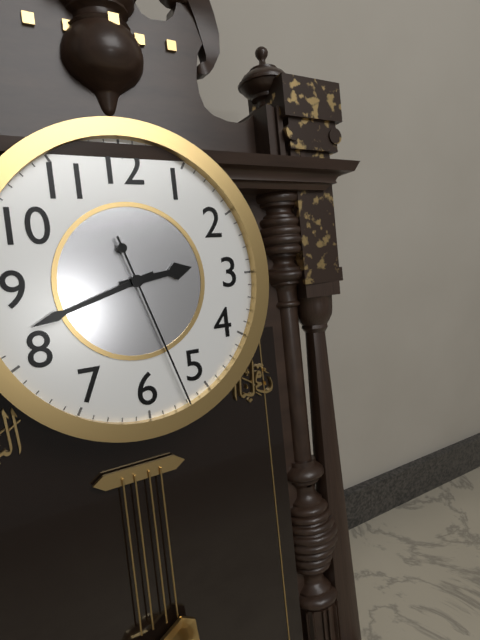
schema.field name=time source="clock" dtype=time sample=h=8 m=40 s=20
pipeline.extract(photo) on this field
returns h=2 m=42 s=27
